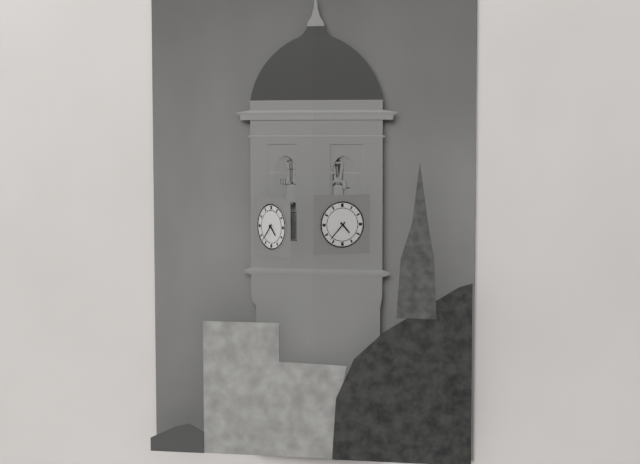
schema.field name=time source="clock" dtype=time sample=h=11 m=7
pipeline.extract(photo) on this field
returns h=4 m=37
